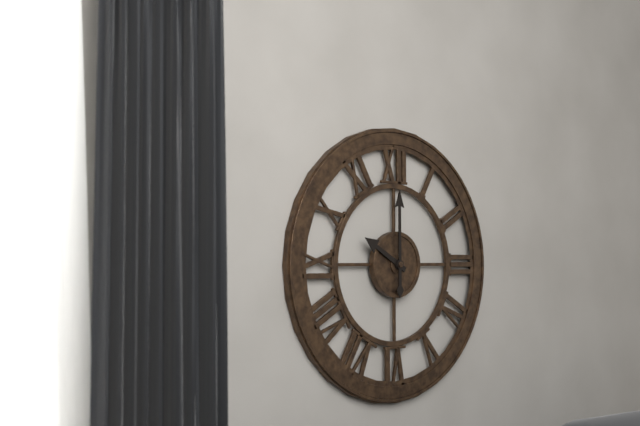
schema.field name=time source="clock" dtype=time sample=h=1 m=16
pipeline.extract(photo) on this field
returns h=10 m=0
